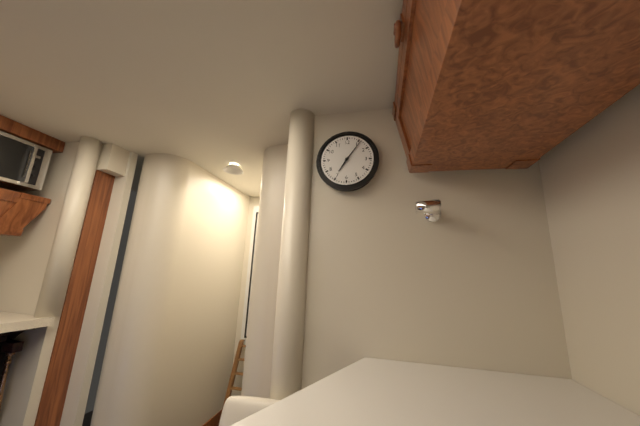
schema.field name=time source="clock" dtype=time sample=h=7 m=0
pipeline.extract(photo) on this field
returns h=7 m=6
